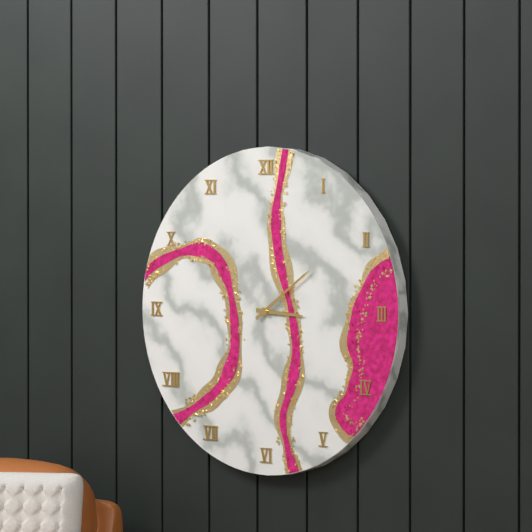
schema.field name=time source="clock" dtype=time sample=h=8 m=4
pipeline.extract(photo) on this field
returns h=3 m=9
